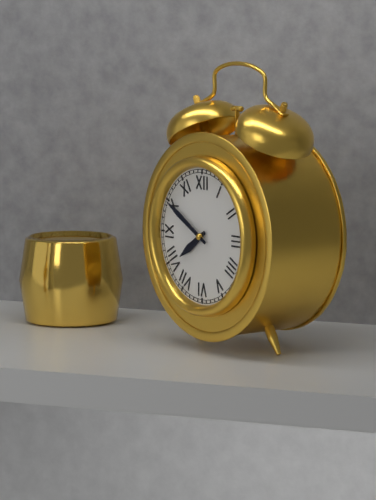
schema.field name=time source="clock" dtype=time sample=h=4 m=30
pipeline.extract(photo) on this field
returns h=7 m=50
